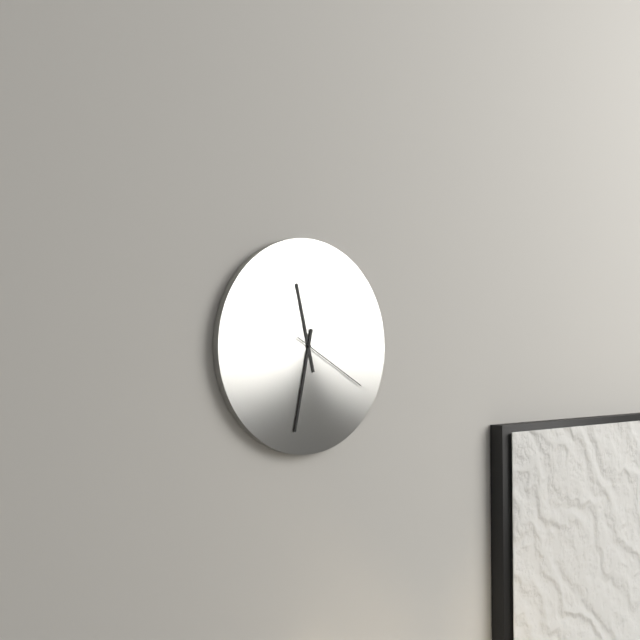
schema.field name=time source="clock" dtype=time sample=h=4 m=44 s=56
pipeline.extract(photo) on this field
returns h=11 m=32 s=20
